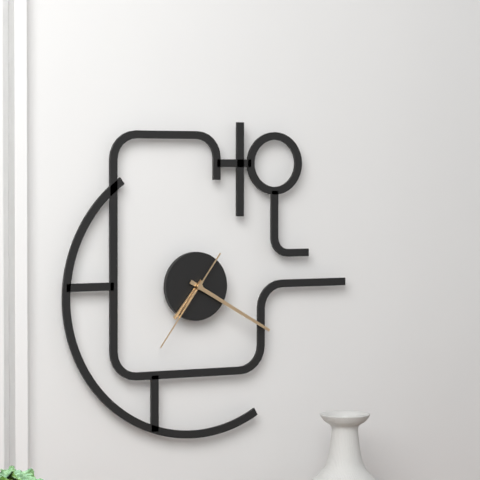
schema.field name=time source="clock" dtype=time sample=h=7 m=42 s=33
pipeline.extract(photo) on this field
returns h=7 m=20 s=36
